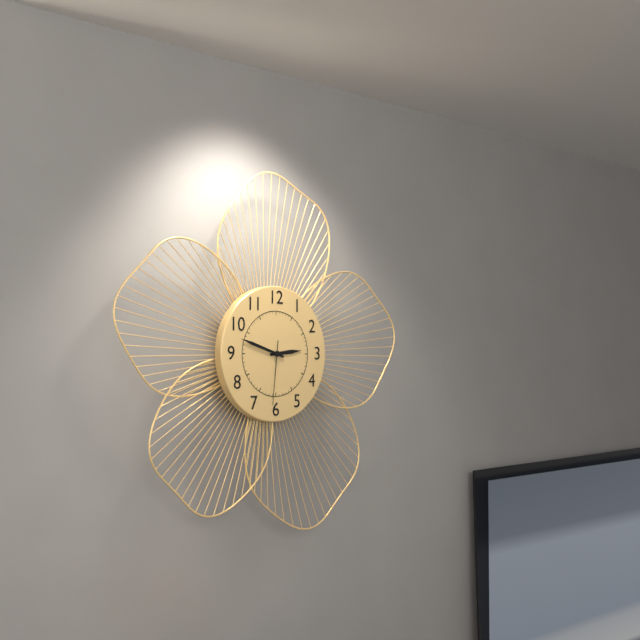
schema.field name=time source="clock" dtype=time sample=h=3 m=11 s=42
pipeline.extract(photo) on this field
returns h=2 m=48 s=31
